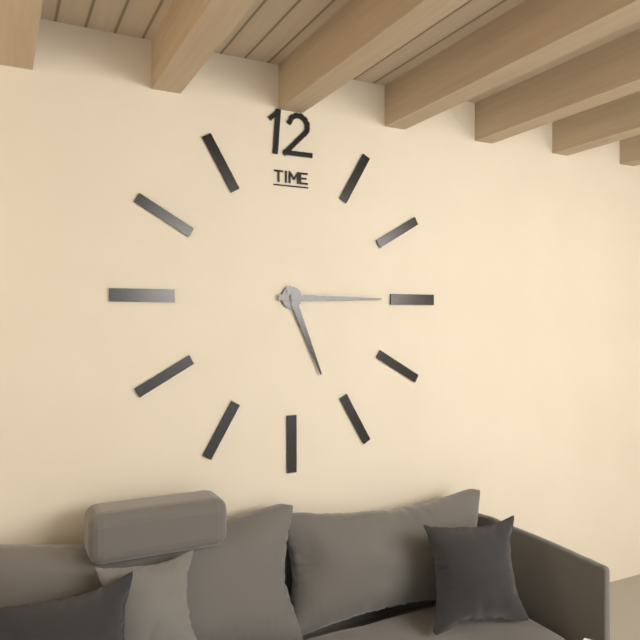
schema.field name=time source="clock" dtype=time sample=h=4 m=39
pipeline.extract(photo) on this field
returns h=5 m=15
